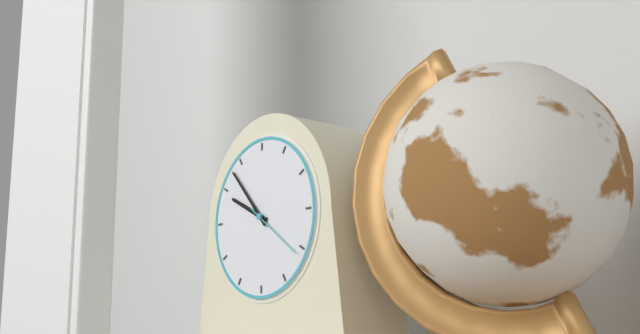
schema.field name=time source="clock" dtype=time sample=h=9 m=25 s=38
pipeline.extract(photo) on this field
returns h=9 m=53 s=21
